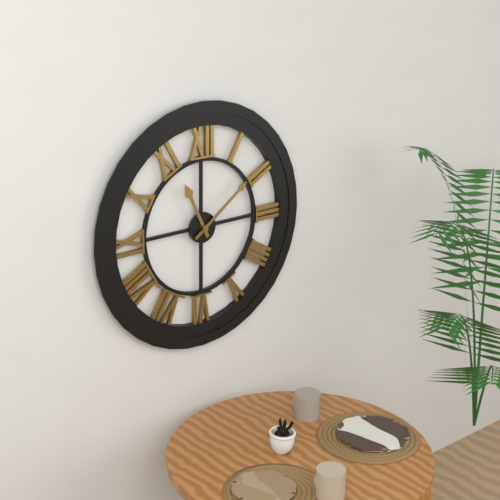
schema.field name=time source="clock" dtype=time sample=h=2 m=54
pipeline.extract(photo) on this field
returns h=11 m=9
